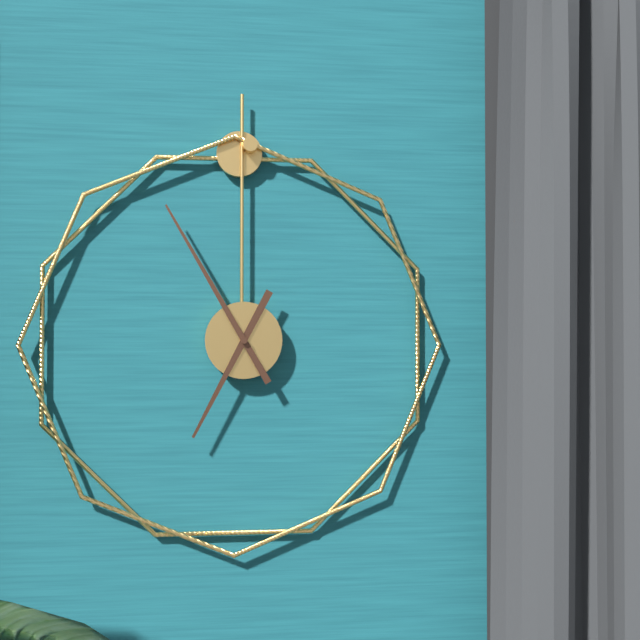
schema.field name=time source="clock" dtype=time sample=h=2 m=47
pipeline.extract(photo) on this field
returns h=6 m=55
